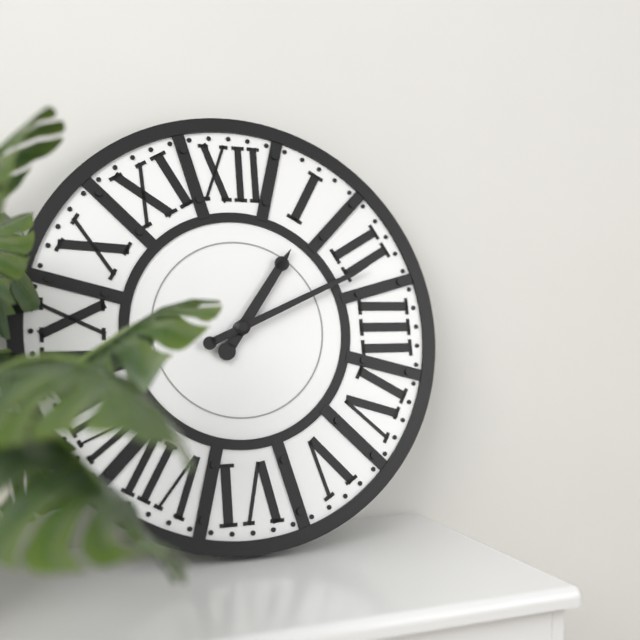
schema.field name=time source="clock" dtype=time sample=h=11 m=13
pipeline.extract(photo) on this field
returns h=1 m=11
